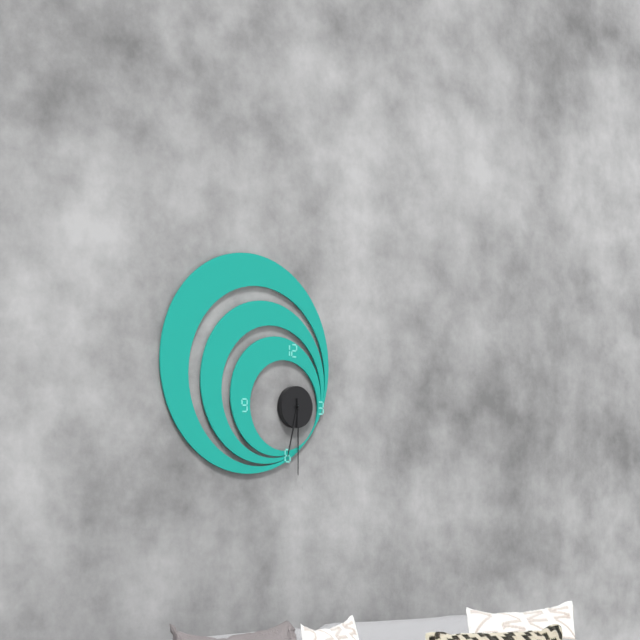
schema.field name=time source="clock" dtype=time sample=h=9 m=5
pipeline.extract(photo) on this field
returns h=6 m=30
